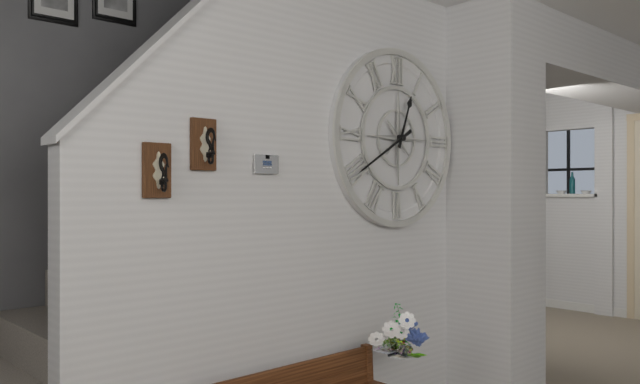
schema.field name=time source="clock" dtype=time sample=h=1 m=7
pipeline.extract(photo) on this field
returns h=12 m=40
